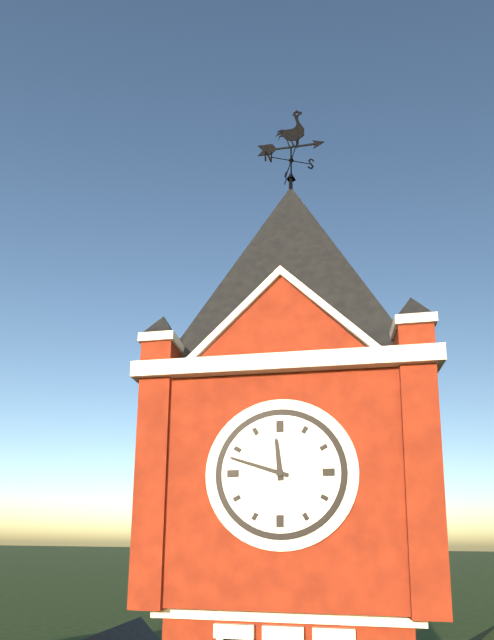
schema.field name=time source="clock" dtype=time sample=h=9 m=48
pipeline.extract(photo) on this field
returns h=11 m=48
